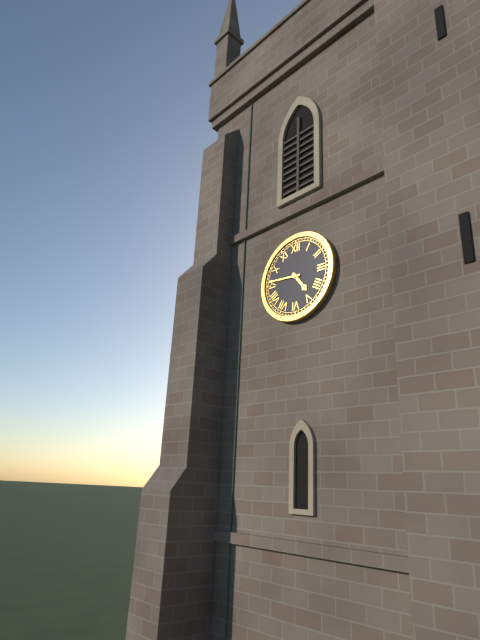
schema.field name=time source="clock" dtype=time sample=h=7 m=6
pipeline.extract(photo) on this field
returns h=4 m=46
